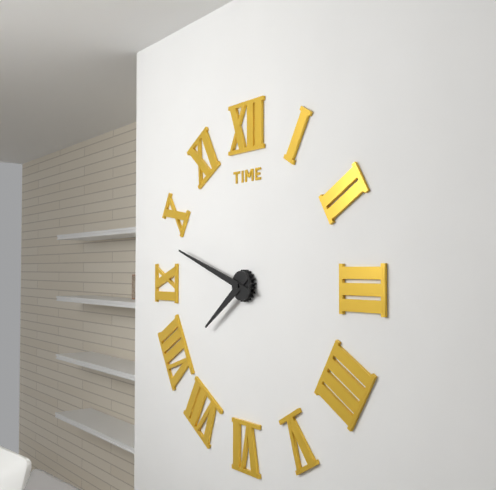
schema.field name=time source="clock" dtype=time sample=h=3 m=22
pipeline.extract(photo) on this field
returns h=7 m=48
